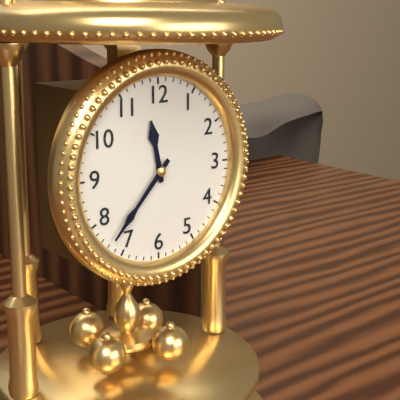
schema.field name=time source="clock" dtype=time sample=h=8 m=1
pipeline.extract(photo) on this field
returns h=11 m=37
